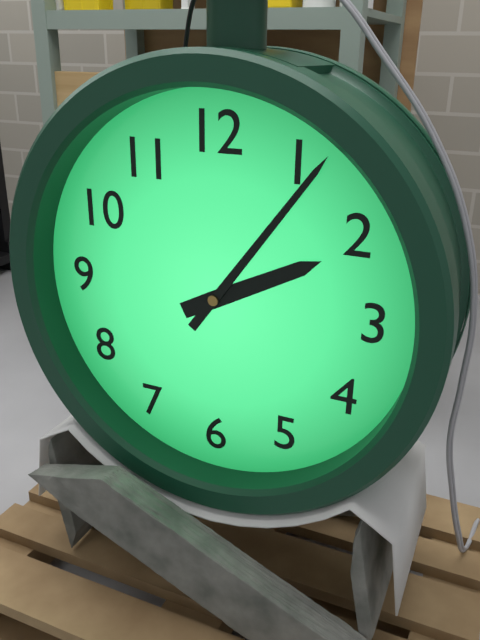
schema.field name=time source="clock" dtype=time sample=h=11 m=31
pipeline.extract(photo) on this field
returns h=2 m=6
